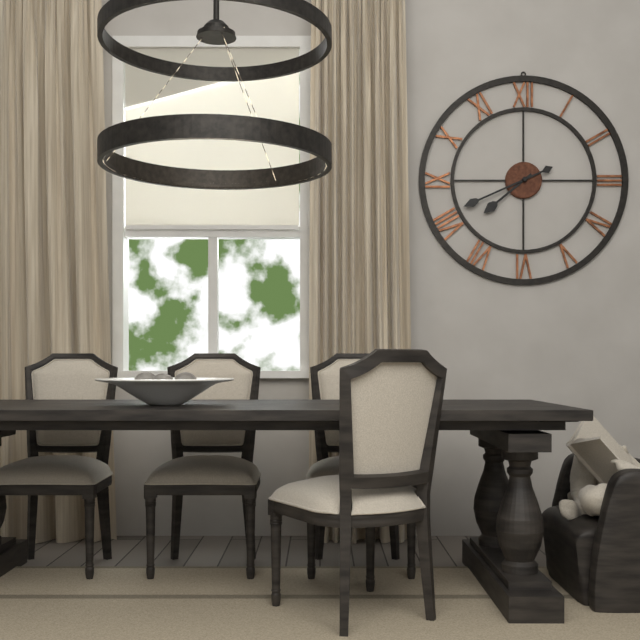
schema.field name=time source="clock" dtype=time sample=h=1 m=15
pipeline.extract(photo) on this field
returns h=7 m=41
